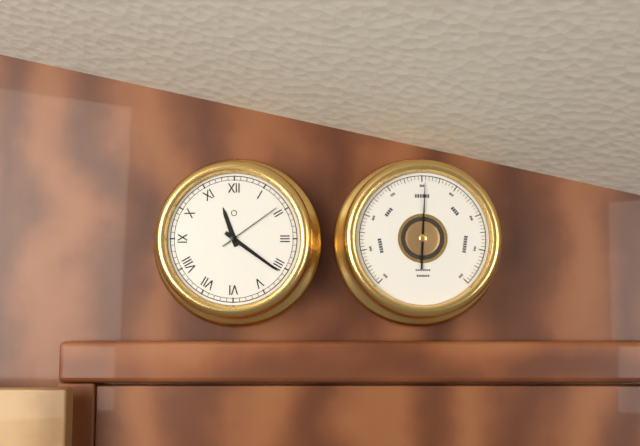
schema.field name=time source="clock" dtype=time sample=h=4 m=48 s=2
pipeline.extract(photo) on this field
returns h=11 m=21 s=9
